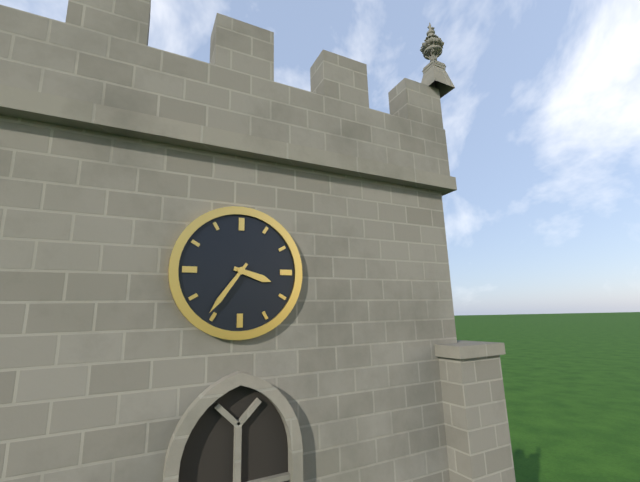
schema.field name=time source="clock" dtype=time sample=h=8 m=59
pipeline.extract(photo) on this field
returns h=3 m=36
